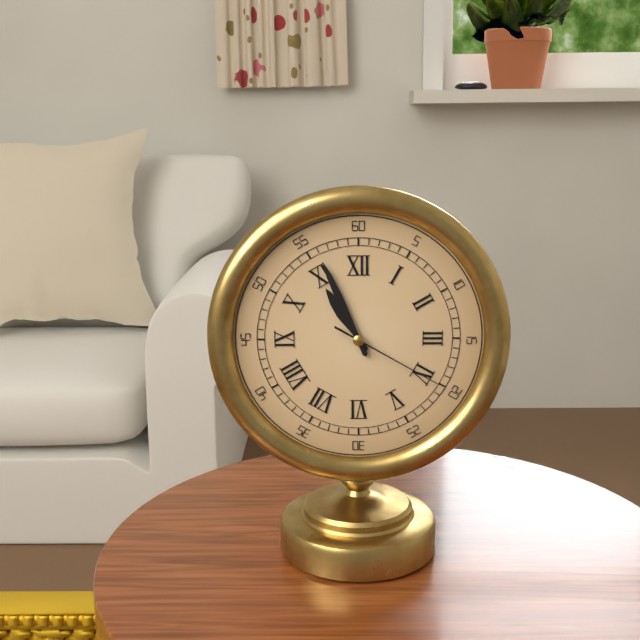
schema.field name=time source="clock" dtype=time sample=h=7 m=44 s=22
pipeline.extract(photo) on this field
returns h=10 m=56 s=20
